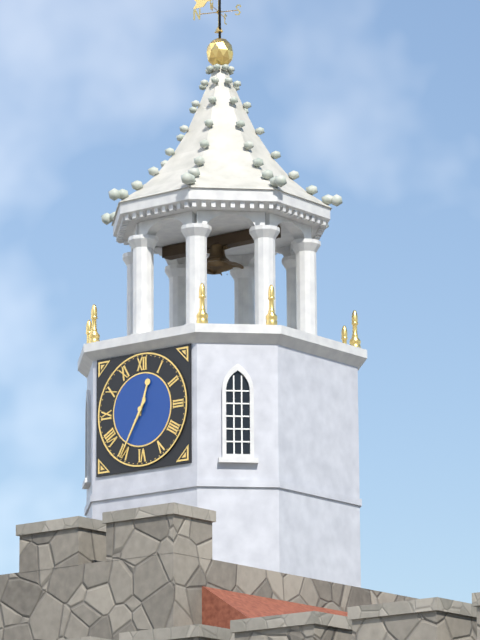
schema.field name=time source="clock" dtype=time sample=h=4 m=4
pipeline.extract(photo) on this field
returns h=12 m=35
